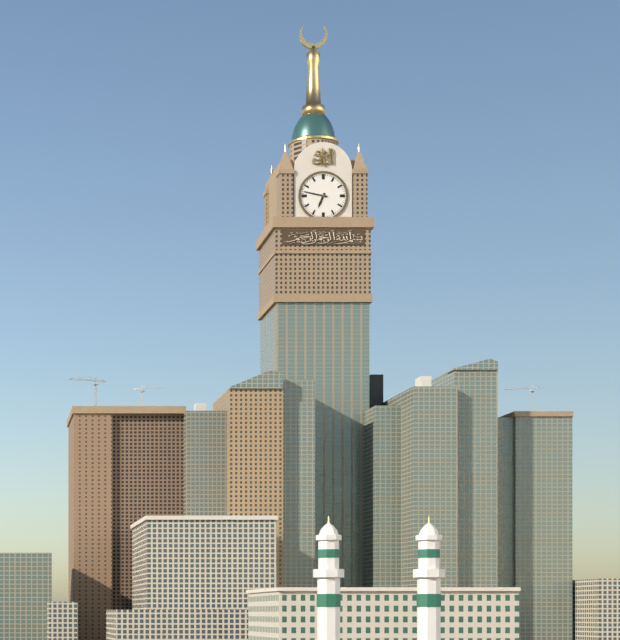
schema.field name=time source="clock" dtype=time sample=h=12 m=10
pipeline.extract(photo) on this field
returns h=6 m=47
